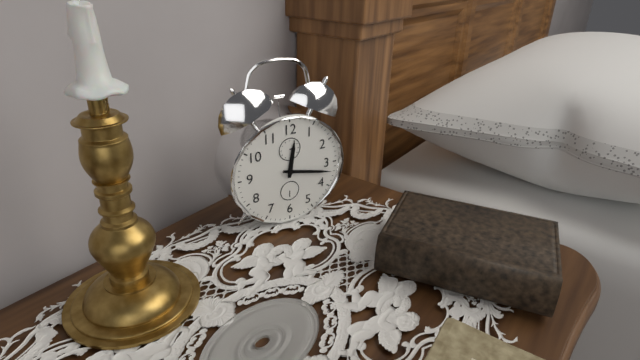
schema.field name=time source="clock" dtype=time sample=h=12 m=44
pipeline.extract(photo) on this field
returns h=12 m=17
